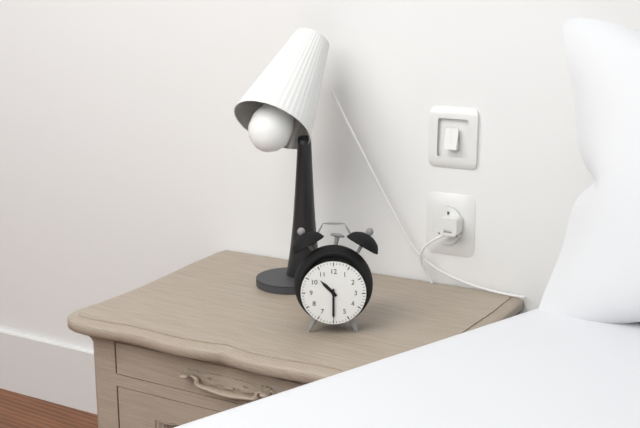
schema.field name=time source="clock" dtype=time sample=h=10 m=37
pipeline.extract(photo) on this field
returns h=10 m=30
